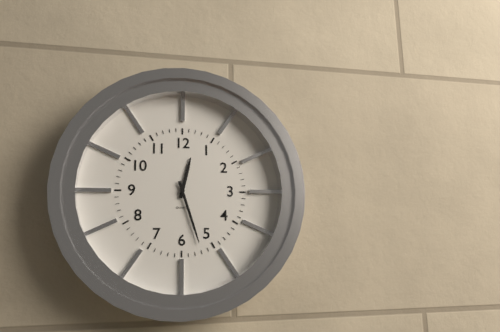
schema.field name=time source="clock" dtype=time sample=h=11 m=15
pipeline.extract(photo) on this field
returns h=12 m=27
